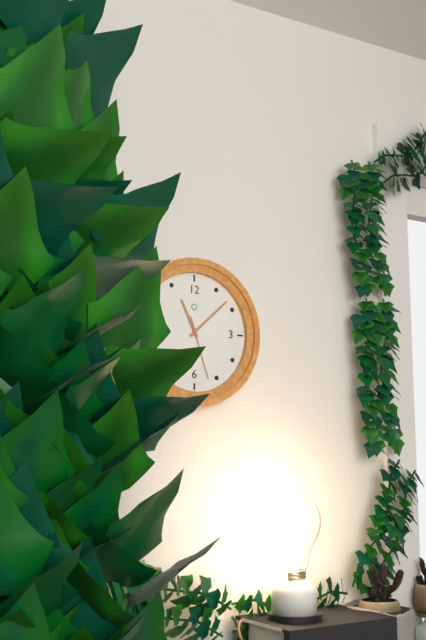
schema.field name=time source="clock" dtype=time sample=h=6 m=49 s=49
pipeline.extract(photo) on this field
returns h=11 m=8 s=27
